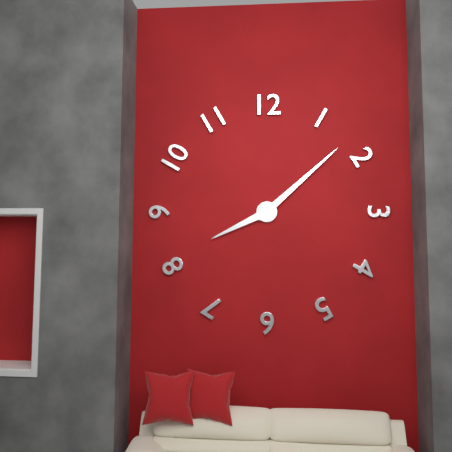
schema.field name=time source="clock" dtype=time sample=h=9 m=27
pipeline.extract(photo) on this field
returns h=8 m=8
